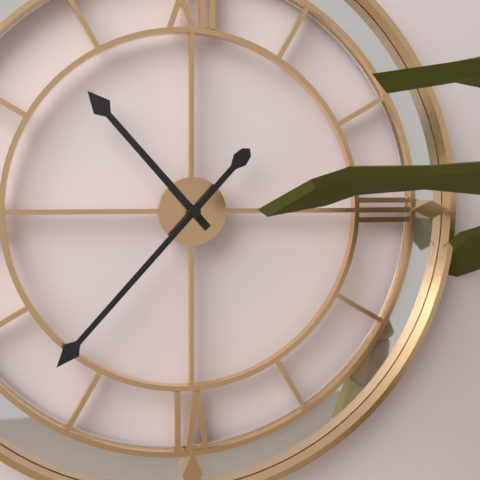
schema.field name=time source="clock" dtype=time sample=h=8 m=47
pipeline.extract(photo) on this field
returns h=10 m=37
